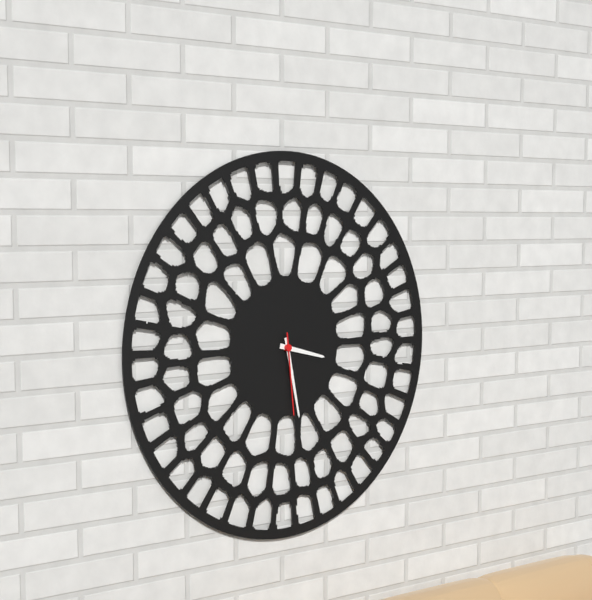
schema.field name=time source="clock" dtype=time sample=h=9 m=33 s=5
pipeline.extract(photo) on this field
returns h=3 m=28 s=29
